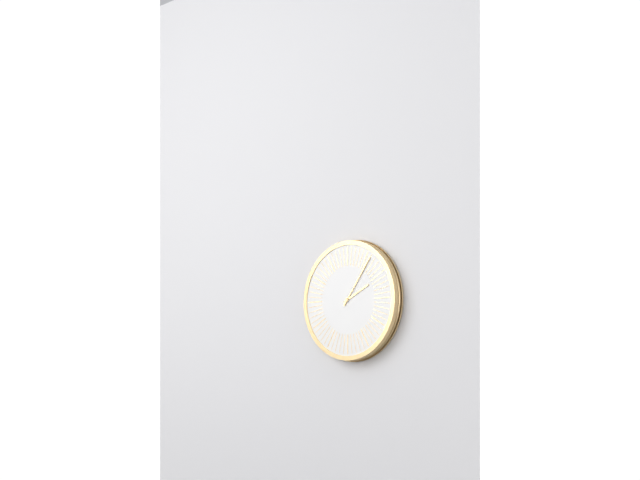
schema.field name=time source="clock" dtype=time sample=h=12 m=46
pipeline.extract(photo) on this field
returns h=2 m=6
